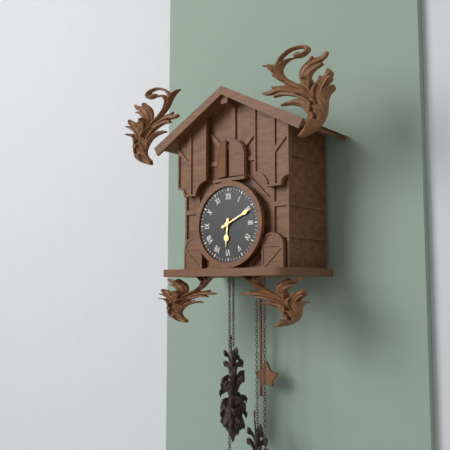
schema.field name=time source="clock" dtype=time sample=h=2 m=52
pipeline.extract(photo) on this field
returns h=6 m=11
